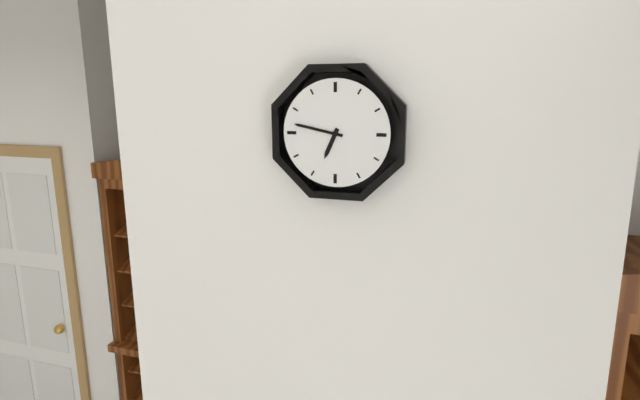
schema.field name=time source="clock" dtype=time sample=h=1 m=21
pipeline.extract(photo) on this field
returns h=6 m=47
